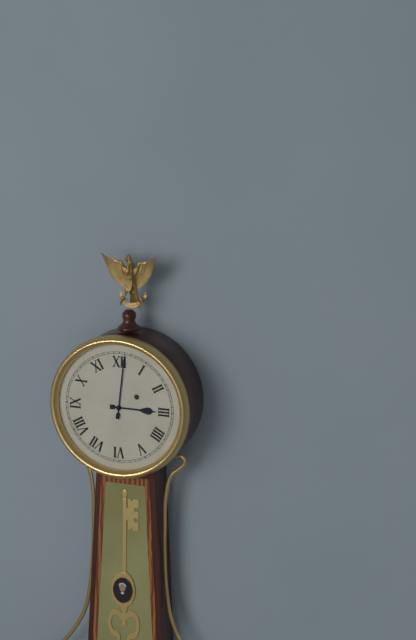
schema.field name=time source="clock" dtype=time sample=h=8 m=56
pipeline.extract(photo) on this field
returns h=3 m=1
